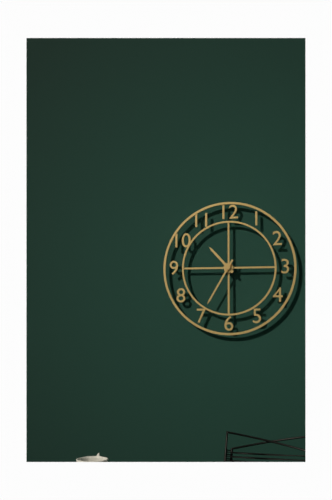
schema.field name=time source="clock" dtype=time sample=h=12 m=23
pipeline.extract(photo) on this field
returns h=10 m=35
